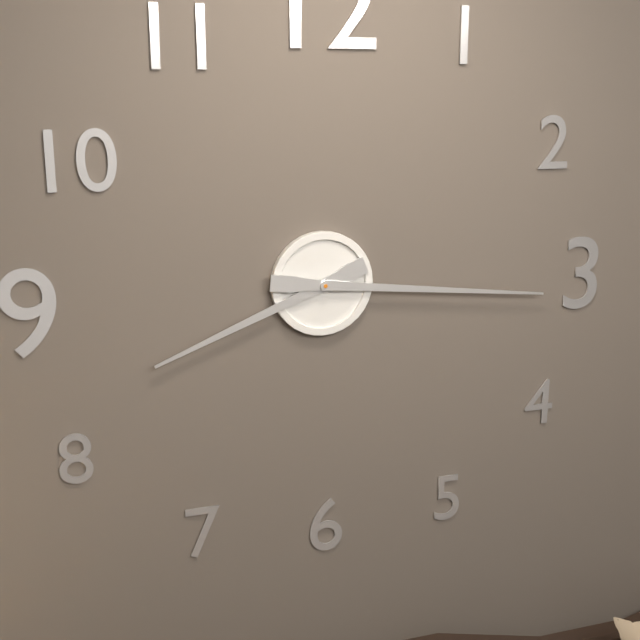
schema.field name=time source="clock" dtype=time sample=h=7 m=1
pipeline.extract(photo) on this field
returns h=8 m=16
